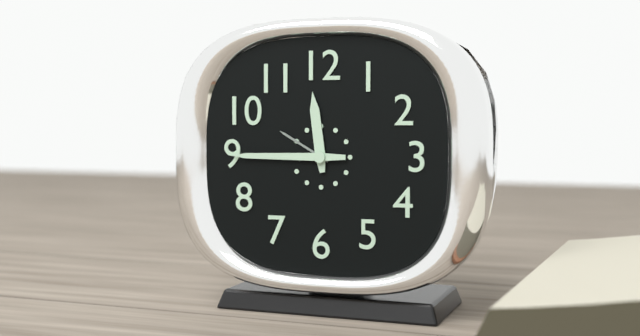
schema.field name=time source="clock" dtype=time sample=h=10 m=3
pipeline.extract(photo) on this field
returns h=11 m=45
